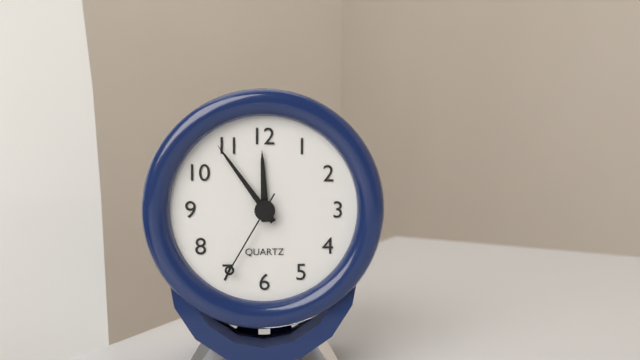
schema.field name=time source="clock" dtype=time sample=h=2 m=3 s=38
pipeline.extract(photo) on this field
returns h=11 m=54 s=35
